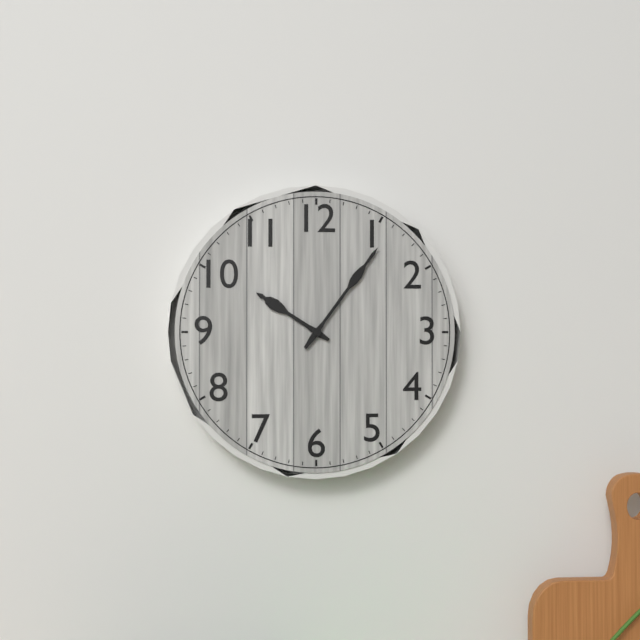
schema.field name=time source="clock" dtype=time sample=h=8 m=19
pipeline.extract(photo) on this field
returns h=10 m=6
